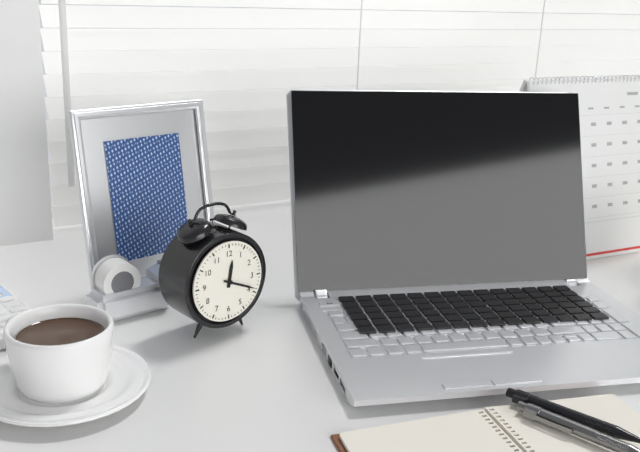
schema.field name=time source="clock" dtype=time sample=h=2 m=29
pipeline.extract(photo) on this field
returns h=12 m=19
